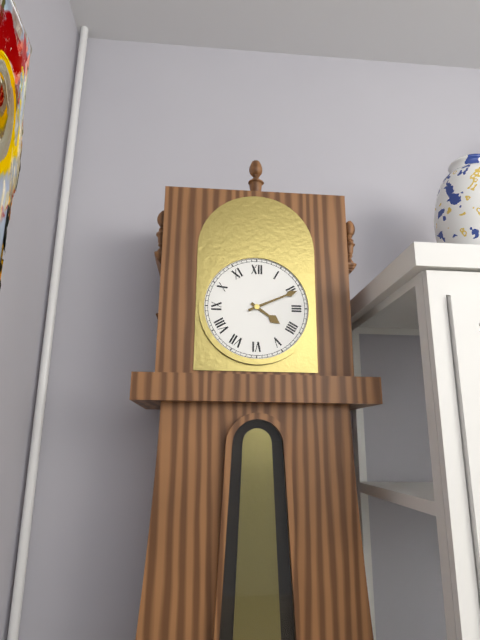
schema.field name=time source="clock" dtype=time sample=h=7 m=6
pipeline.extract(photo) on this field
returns h=4 m=11
